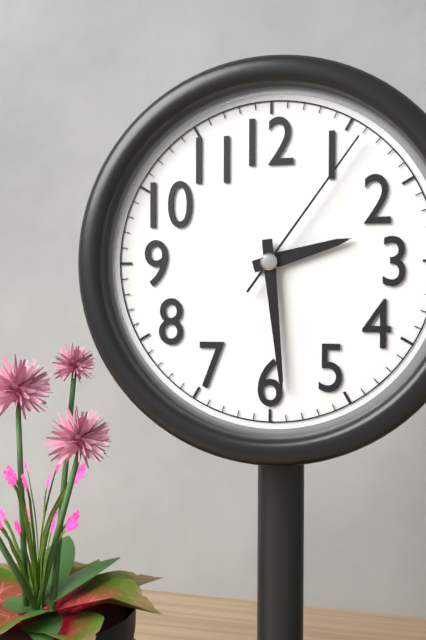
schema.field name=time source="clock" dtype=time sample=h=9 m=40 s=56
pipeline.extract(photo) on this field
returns h=2 m=29 s=6
